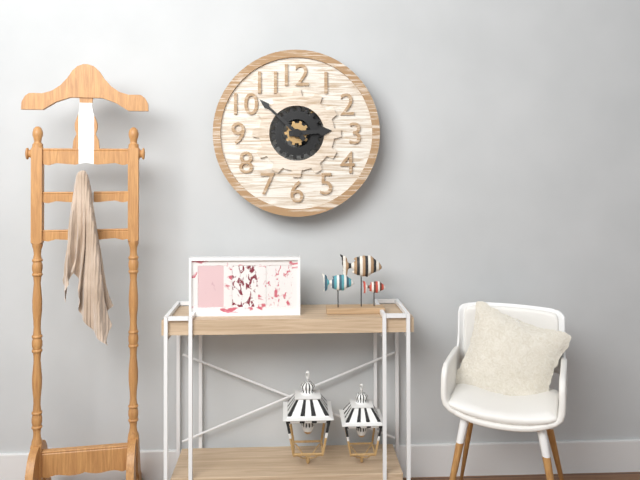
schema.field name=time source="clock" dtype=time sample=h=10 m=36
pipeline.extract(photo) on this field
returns h=2 m=52
